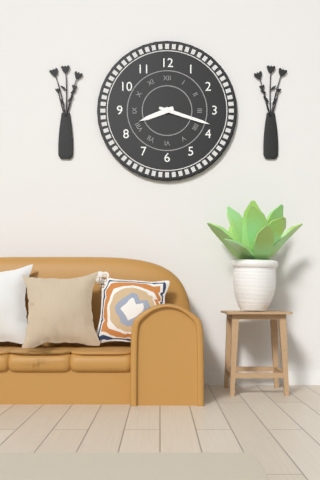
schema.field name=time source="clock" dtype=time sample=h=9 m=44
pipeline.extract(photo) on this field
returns h=8 m=18
